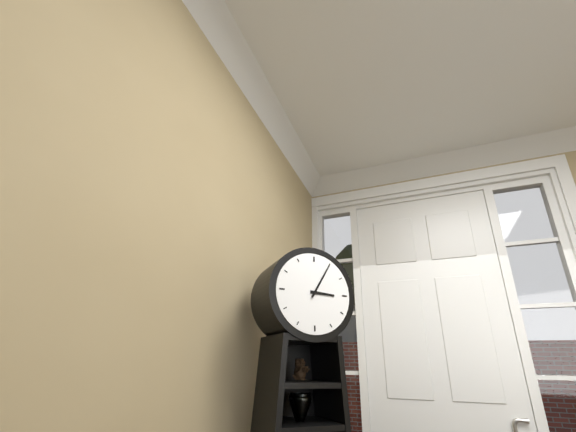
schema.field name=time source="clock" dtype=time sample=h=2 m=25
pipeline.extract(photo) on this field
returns h=3 m=5
